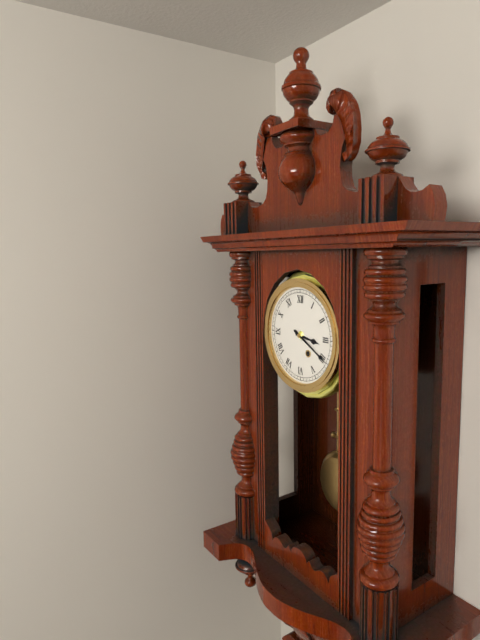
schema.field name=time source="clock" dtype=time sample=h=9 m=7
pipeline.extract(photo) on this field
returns h=3 m=20
